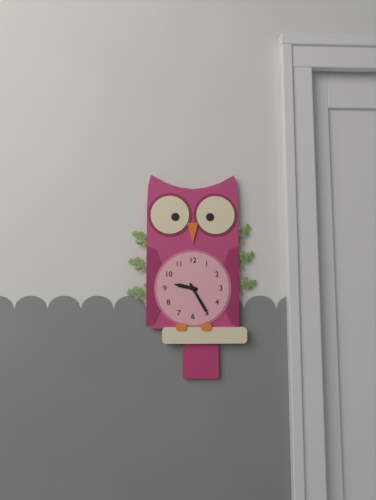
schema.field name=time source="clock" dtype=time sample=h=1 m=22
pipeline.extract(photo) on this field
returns h=9 m=25
